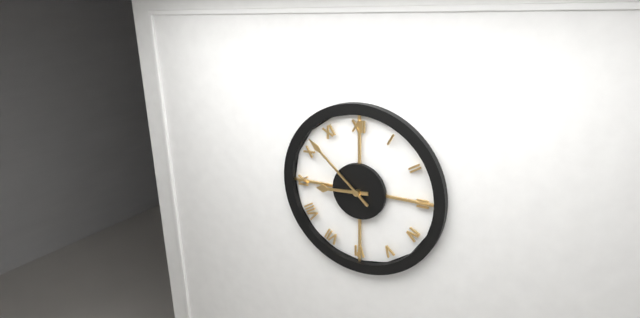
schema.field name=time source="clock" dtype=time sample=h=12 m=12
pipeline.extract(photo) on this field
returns h=8 m=52
